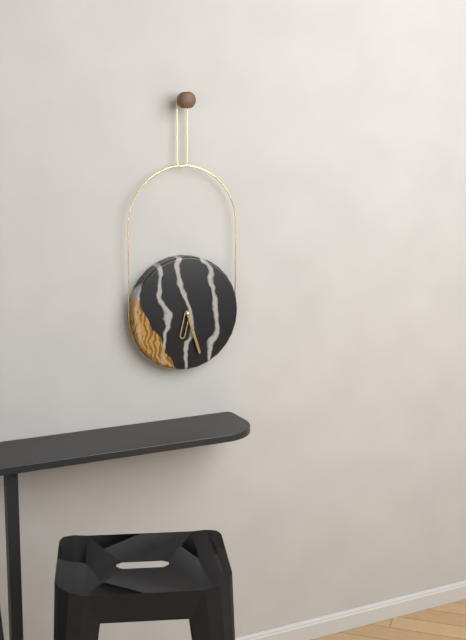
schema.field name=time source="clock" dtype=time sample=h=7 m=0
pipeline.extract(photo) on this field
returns h=6 m=27
